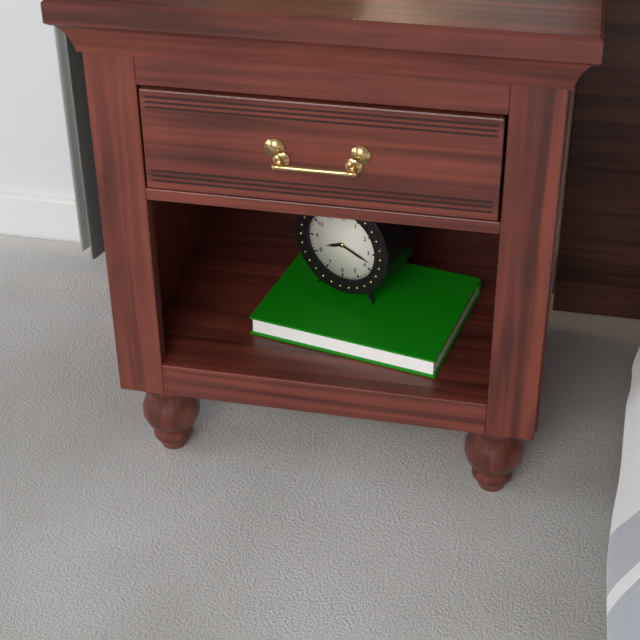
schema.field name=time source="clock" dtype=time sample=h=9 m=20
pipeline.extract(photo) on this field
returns h=8 m=18
